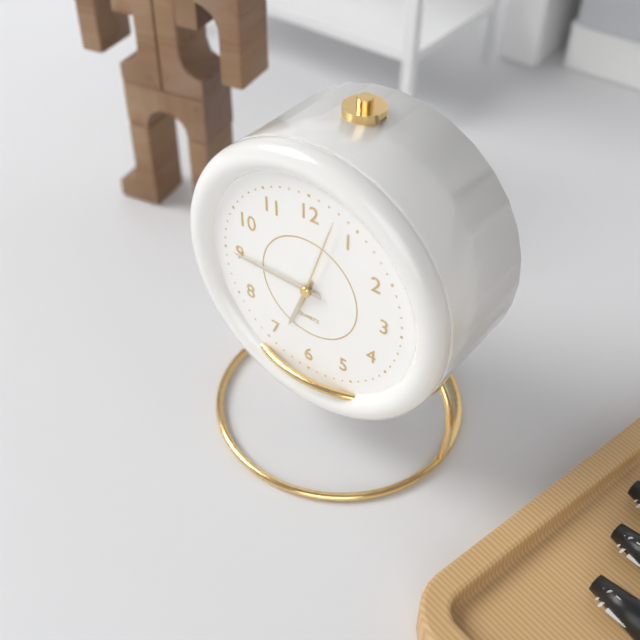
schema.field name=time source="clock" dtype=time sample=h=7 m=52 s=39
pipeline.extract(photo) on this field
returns h=6 m=45 s=3
